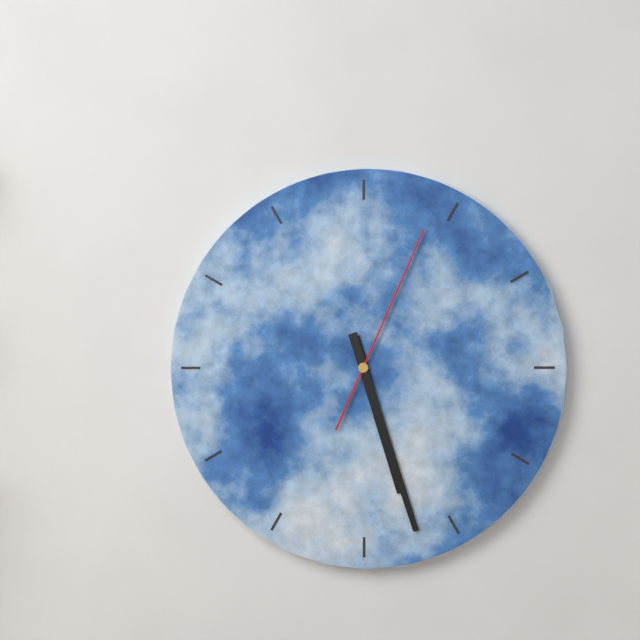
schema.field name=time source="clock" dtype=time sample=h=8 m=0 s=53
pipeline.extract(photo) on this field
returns h=5 m=27 s=4
